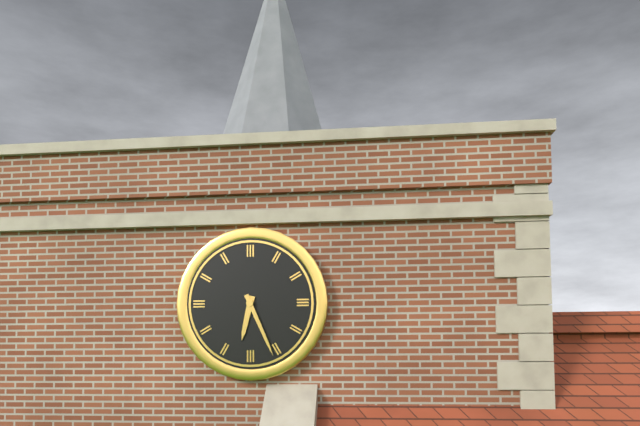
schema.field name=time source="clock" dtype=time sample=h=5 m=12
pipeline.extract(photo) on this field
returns h=6 m=26
